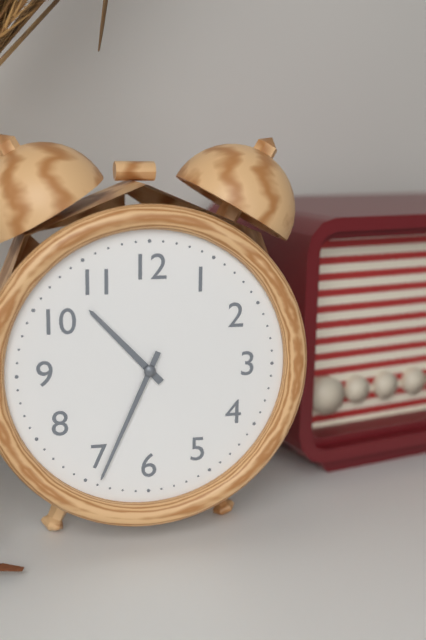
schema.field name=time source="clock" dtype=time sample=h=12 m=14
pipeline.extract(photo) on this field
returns h=10 m=34
